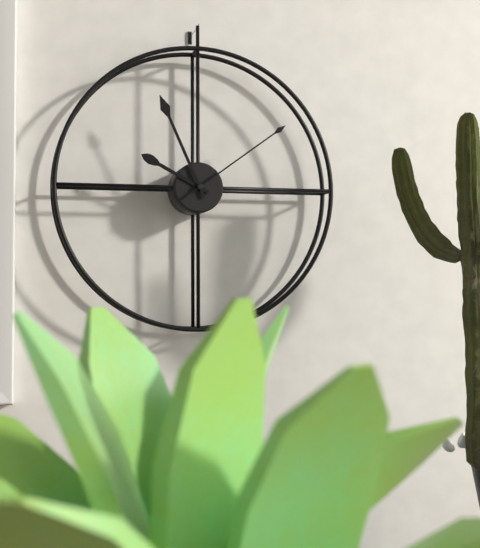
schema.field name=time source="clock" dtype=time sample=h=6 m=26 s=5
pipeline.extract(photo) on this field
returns h=9 m=56 s=9
